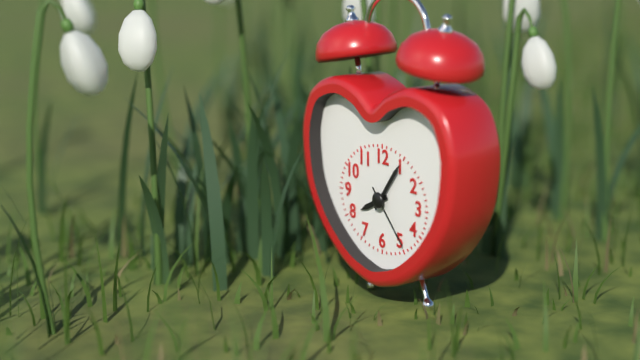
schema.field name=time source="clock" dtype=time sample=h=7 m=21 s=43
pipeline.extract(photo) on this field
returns h=8 m=6 s=23
